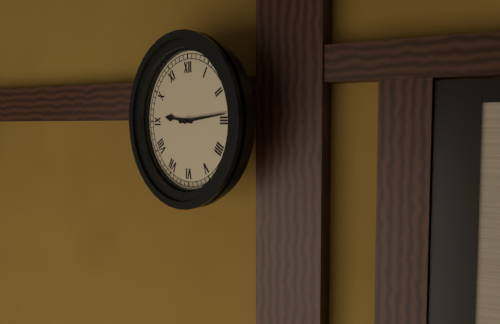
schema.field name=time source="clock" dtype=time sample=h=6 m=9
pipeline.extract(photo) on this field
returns h=9 m=14
